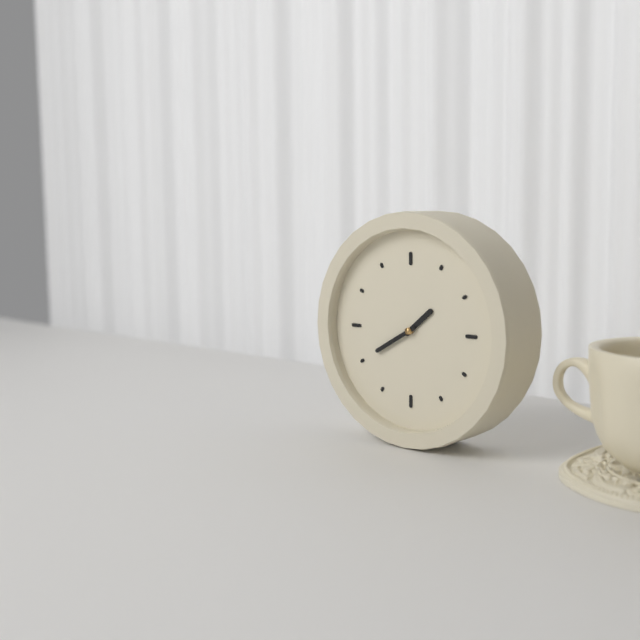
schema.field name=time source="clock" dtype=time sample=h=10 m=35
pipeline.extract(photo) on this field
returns h=1 m=40
